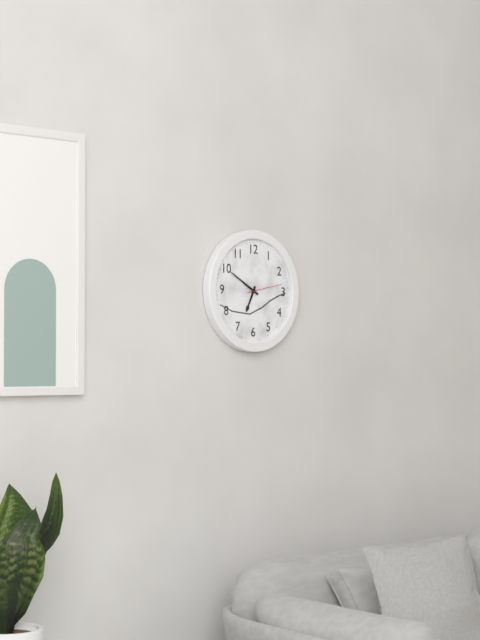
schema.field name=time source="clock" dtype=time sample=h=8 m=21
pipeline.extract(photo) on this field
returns h=6 m=50
